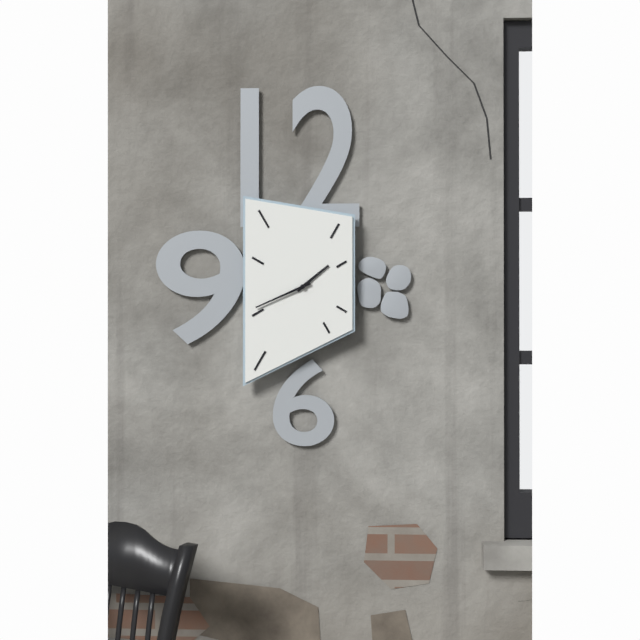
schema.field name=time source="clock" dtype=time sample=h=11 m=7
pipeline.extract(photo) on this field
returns h=1 m=41
